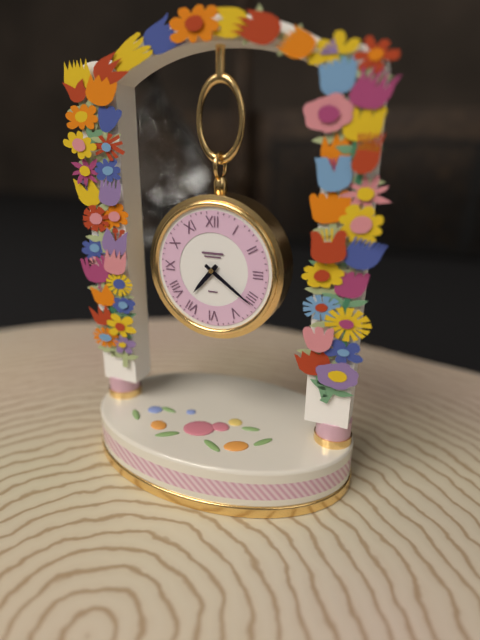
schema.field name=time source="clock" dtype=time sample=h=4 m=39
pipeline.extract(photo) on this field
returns h=7 m=21
